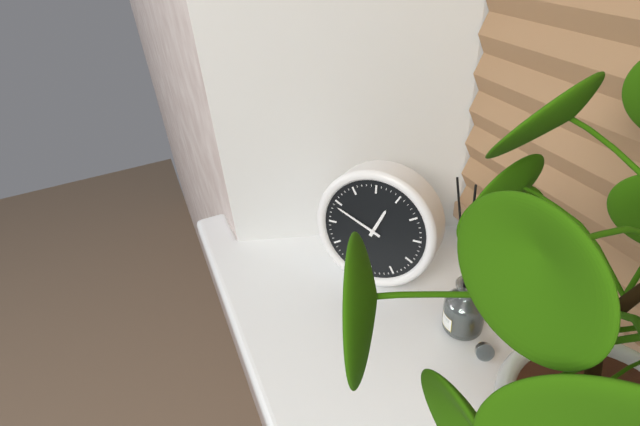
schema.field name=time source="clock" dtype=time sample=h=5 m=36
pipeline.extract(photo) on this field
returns h=12 m=49
